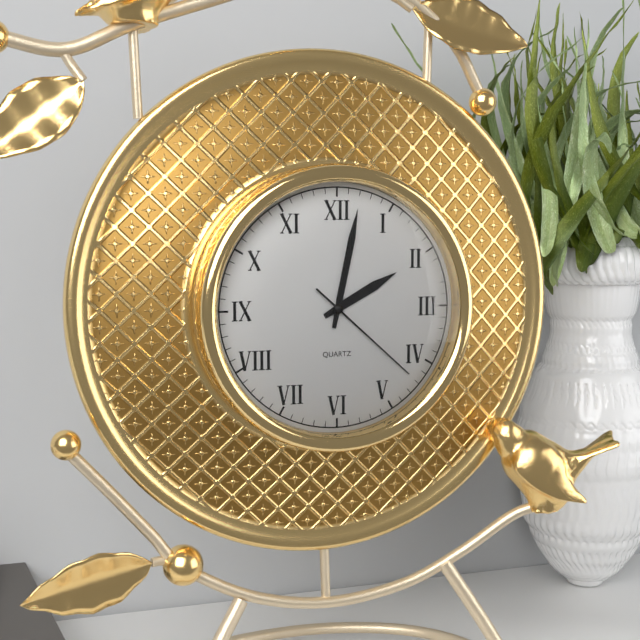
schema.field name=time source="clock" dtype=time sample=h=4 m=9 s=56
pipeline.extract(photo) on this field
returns h=2 m=2 s=22
